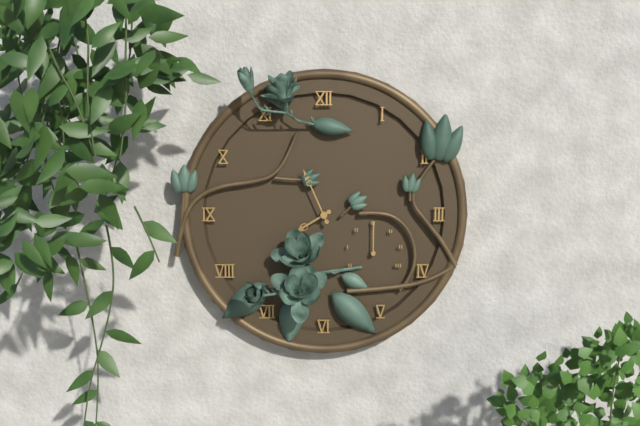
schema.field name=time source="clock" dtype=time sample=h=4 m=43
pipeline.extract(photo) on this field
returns h=7 m=56
